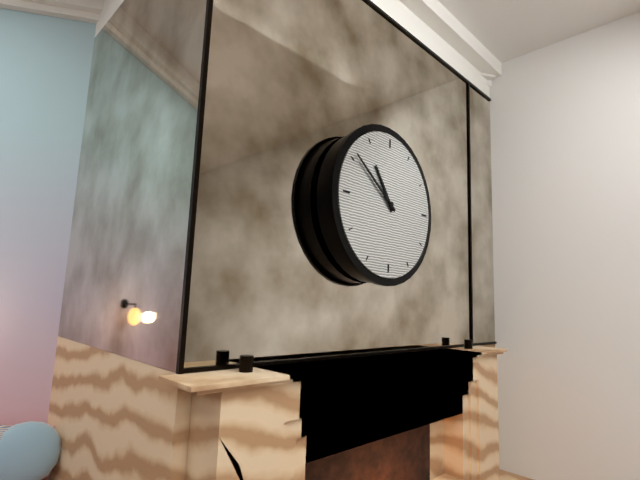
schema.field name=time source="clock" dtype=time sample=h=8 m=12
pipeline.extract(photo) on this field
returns h=10 m=51
